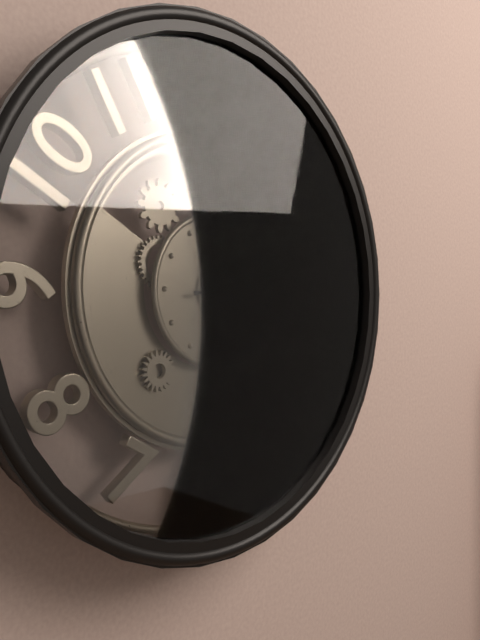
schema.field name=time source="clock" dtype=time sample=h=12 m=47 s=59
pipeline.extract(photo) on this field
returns h=3 m=15 s=14
